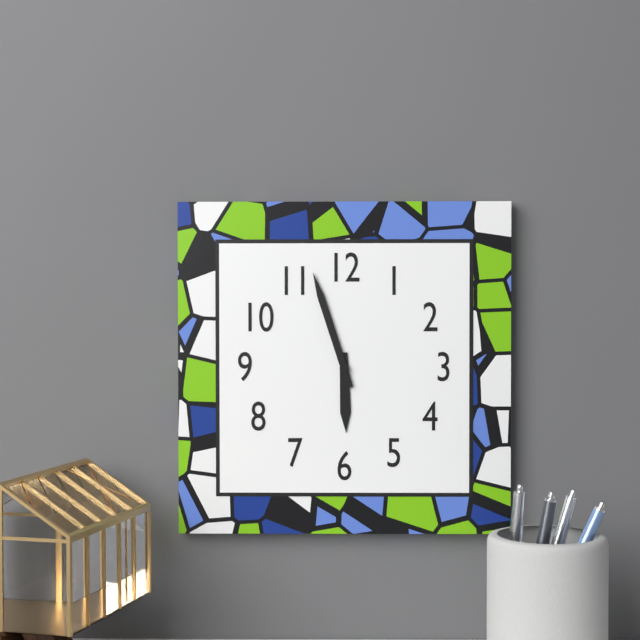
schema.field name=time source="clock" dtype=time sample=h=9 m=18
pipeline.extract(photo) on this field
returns h=5 m=57
